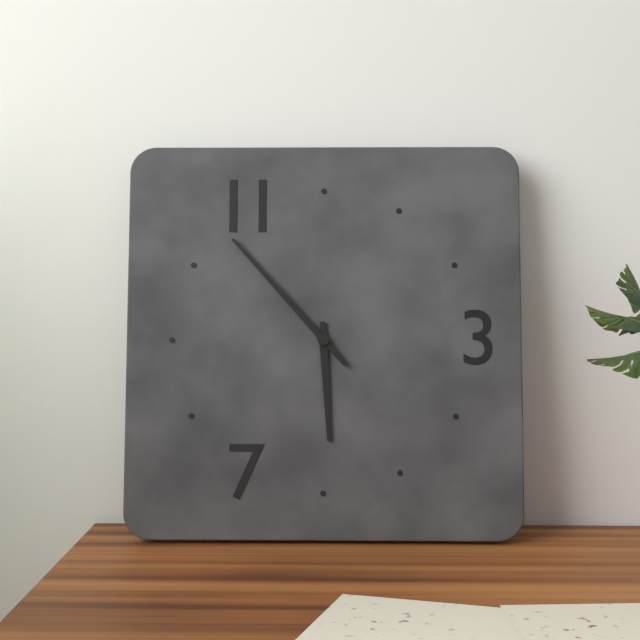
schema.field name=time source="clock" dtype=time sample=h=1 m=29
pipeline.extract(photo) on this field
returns h=5 m=53
